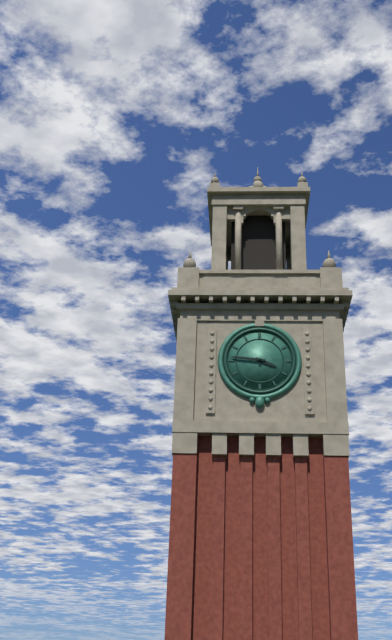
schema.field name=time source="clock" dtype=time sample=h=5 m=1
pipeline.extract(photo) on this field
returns h=3 m=46
